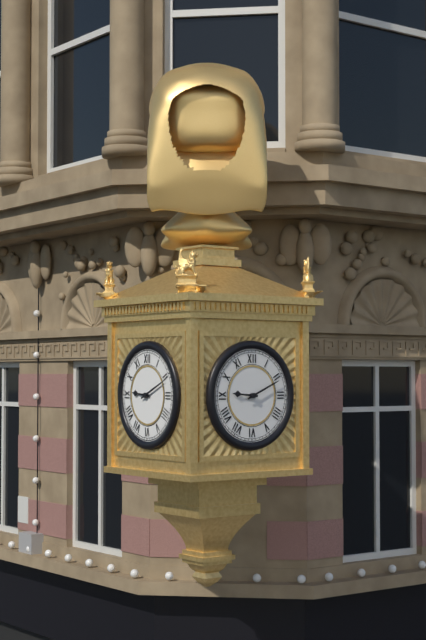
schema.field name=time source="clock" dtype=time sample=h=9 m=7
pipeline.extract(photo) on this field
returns h=9 m=11
